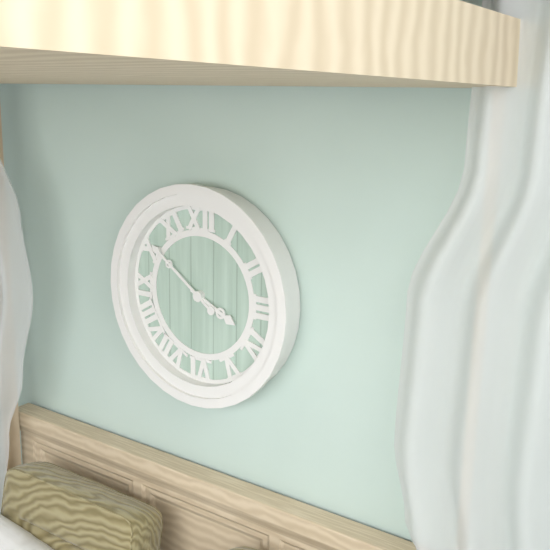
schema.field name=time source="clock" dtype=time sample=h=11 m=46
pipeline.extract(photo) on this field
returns h=3 m=51
